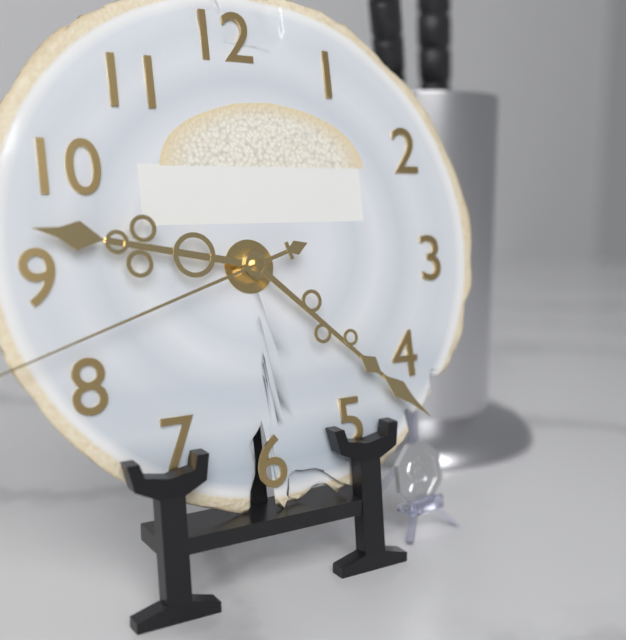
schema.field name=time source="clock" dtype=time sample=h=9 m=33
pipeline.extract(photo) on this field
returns h=9 m=22
